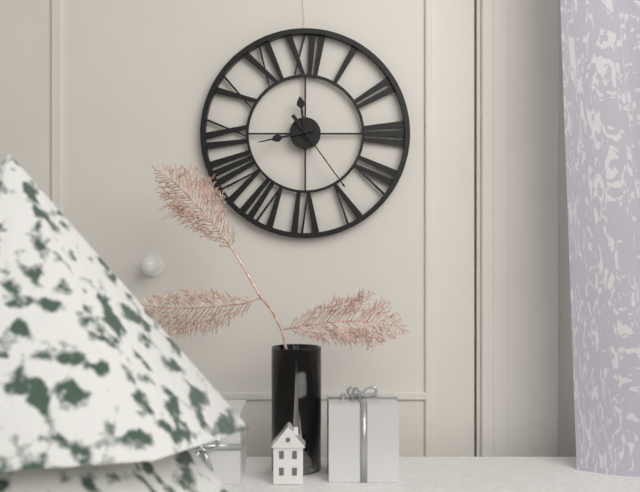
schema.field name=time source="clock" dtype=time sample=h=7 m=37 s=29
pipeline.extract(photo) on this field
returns h=11 m=43 s=24
